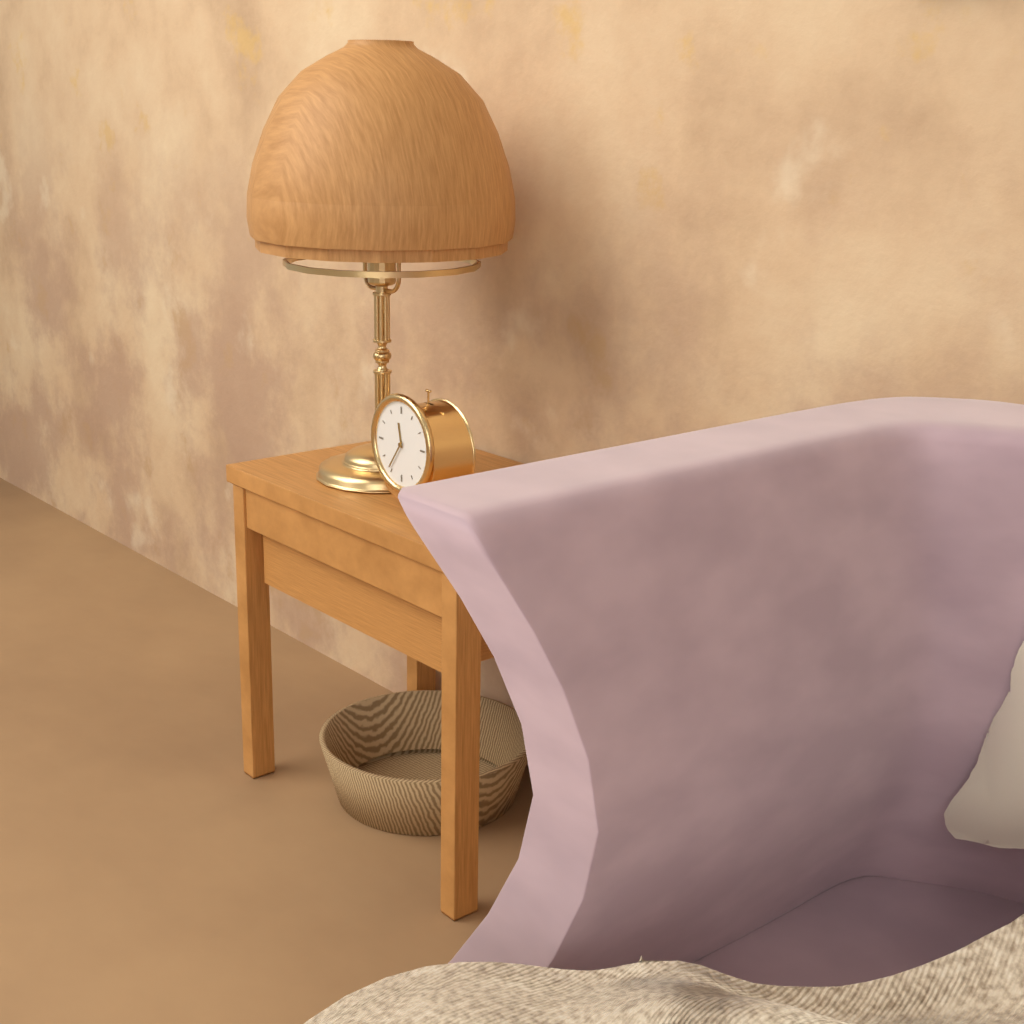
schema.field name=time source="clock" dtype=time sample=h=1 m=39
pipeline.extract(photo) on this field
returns h=11 m=36
